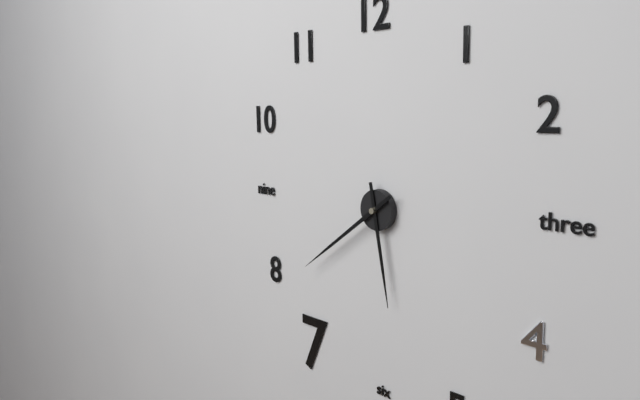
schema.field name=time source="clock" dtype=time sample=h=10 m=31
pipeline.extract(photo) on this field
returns h=5 m=39
